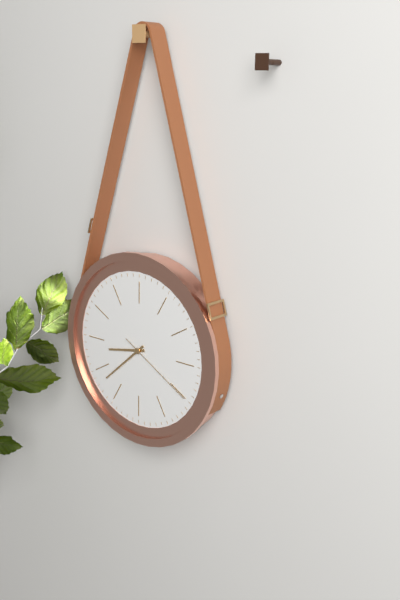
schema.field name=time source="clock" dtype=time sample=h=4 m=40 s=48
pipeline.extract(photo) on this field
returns h=8 m=38 s=20
